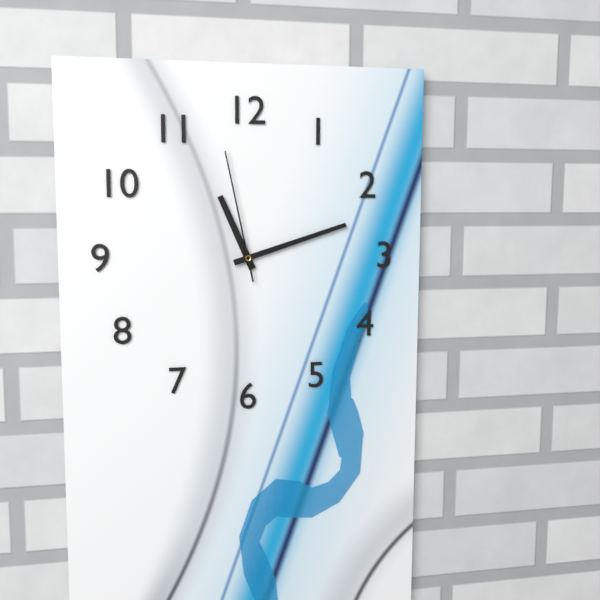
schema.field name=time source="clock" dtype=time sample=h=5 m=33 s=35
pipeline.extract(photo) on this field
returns h=11 m=12 s=58
